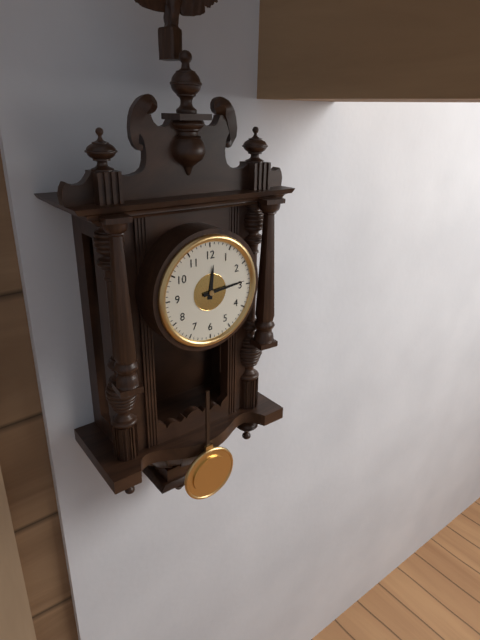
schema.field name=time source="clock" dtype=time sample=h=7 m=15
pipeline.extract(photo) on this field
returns h=12 m=14
